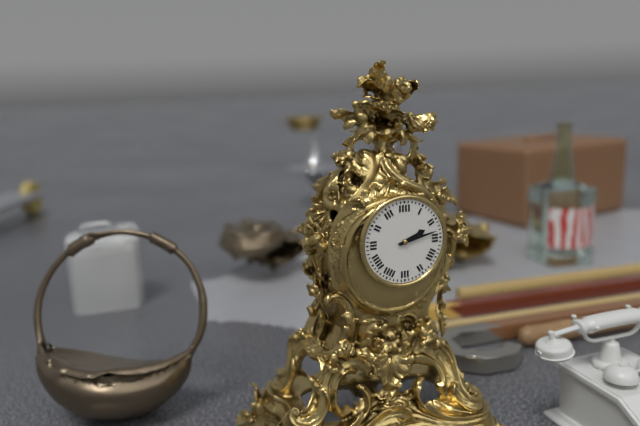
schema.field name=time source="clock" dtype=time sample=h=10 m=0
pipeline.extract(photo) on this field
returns h=2 m=13
